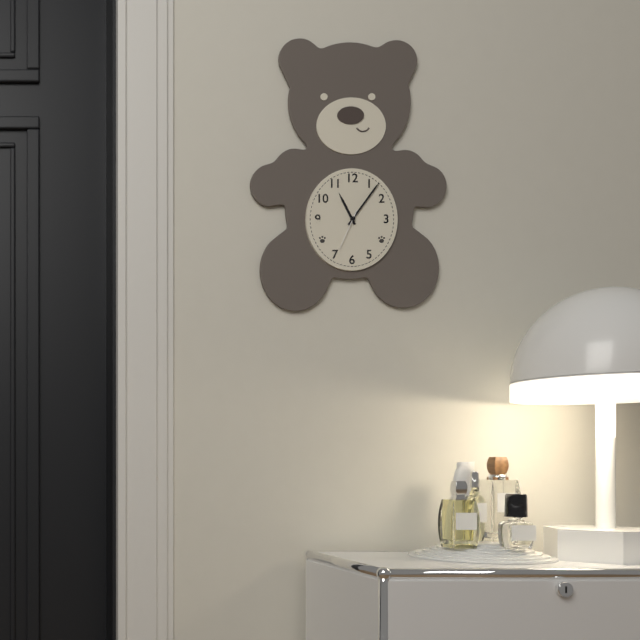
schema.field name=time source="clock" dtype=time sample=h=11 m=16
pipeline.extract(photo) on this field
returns h=11 m=6
